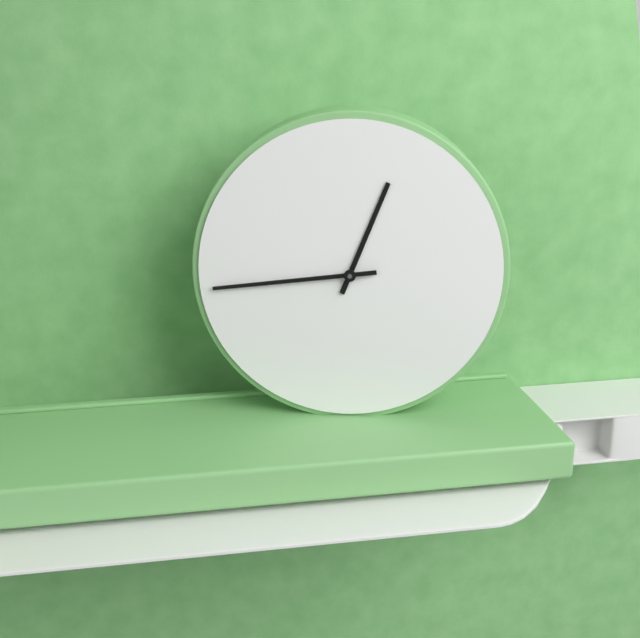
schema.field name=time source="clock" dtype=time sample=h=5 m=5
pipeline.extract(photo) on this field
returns h=12 m=44
